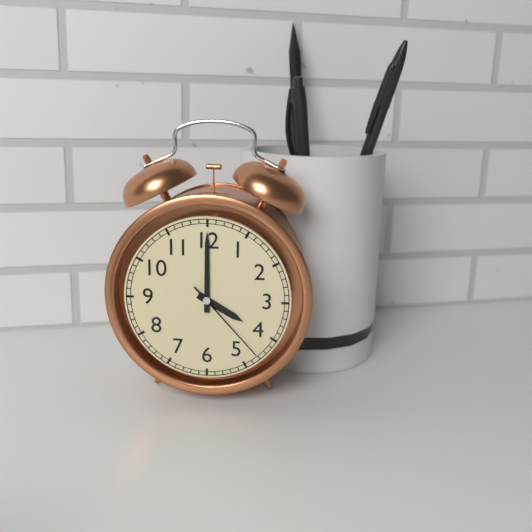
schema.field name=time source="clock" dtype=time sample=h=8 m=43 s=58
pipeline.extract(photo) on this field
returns h=4 m=0 s=23
